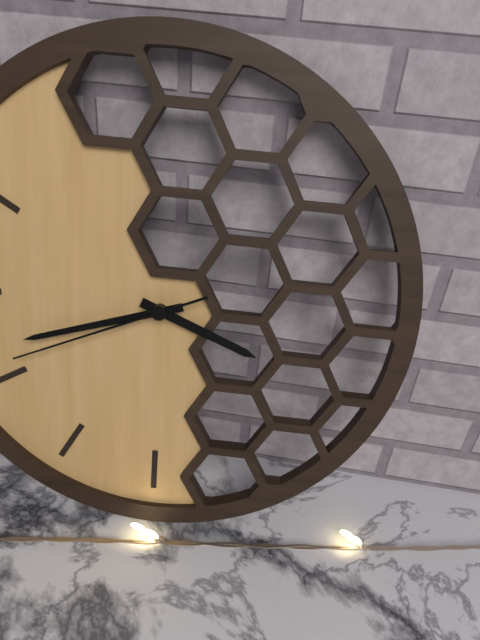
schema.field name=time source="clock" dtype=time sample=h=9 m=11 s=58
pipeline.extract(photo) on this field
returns h=3 m=42 s=41
